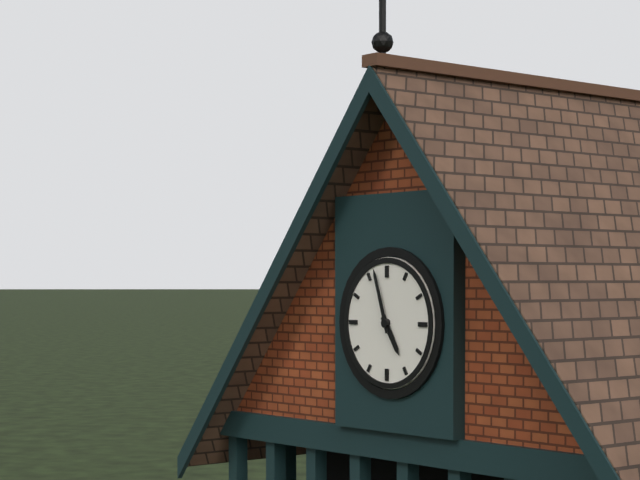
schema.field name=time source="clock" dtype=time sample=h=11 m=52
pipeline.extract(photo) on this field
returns h=4 m=57
